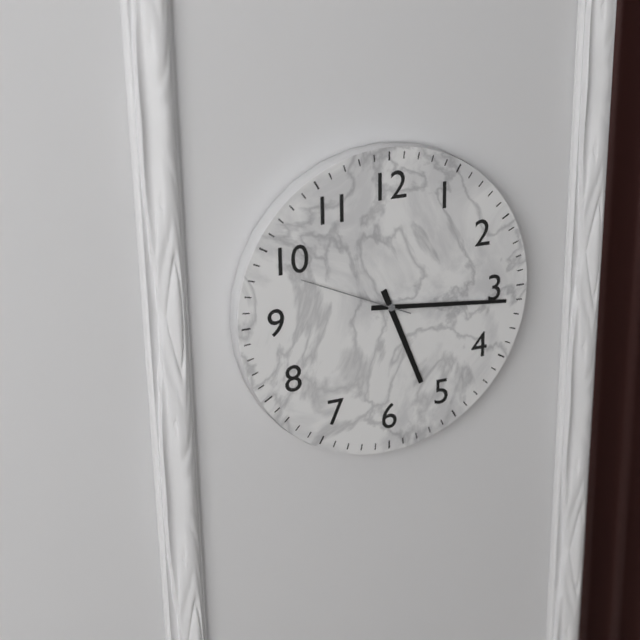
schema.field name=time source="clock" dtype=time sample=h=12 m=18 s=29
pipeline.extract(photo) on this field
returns h=5 m=16 s=49
